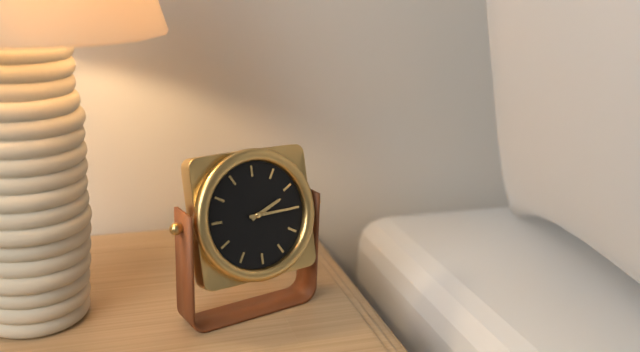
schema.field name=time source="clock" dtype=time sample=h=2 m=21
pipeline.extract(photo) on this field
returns h=2 m=15
